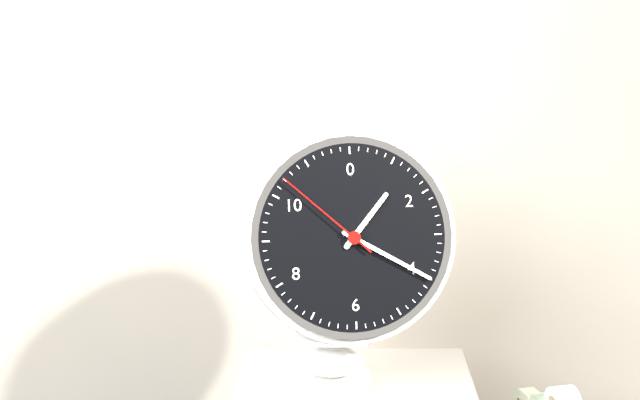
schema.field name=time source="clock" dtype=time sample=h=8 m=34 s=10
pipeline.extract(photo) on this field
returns h=1 m=20 s=52
